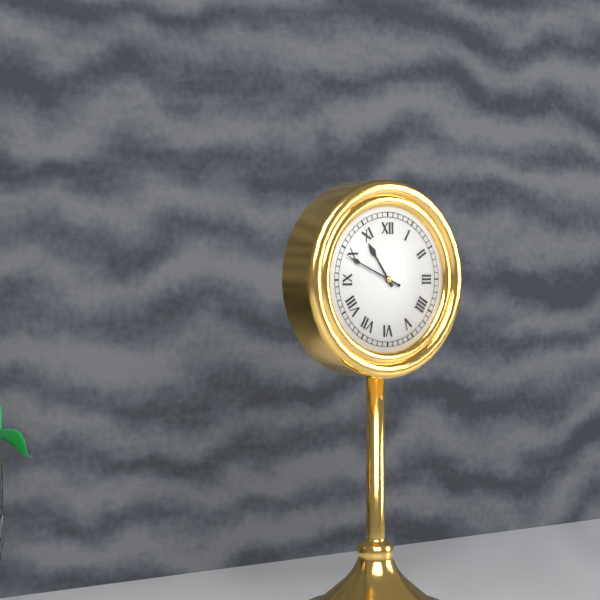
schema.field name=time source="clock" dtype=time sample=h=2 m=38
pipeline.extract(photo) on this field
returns h=10 m=49
